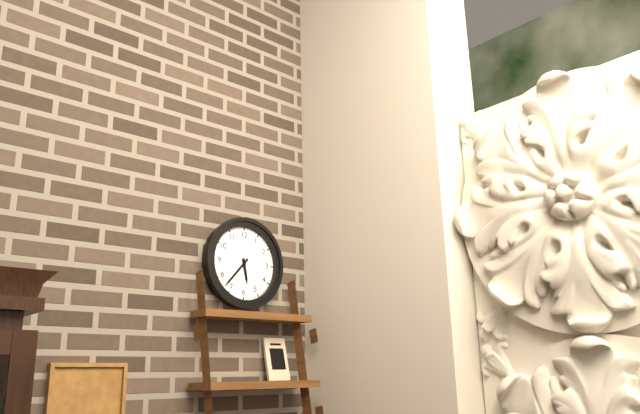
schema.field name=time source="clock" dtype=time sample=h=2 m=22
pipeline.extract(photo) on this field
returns h=5 m=37
